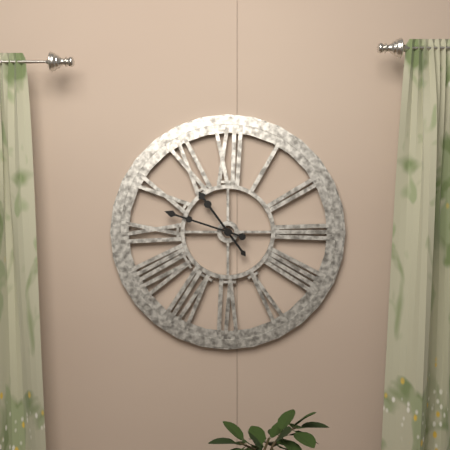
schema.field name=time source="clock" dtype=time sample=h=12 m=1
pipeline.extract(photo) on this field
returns h=10 m=48
